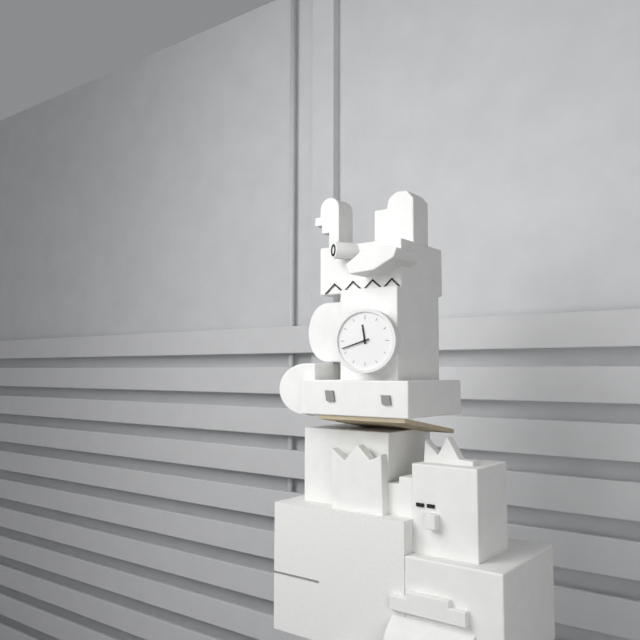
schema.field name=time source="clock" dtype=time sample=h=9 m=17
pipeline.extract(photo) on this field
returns h=11 m=42
